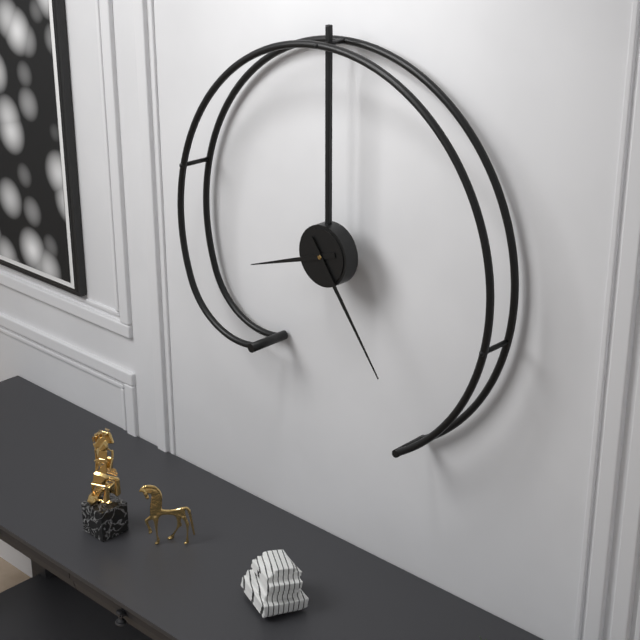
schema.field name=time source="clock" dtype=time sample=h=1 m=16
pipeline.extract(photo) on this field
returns h=8 m=24
